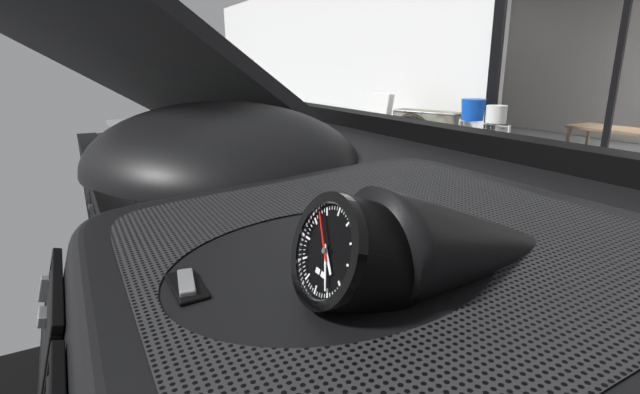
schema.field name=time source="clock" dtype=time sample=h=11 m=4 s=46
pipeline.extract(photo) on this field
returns h=4 m=25 s=53
